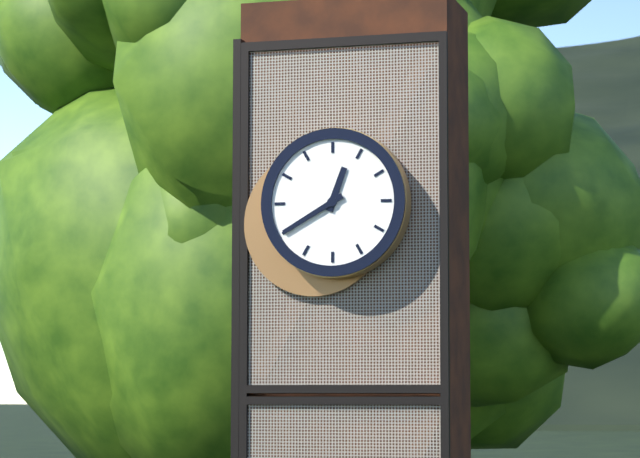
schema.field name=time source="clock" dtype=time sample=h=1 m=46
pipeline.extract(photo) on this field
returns h=12 m=40
